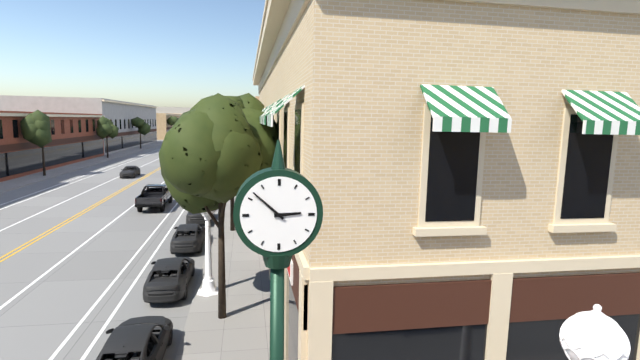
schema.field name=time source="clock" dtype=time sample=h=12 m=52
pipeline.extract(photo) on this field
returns h=2 m=52
